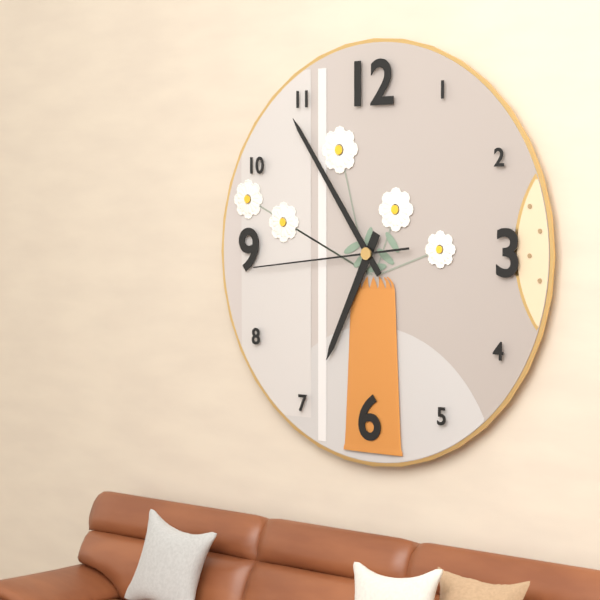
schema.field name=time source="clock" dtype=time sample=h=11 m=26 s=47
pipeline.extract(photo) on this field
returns h=6 m=54 s=44
